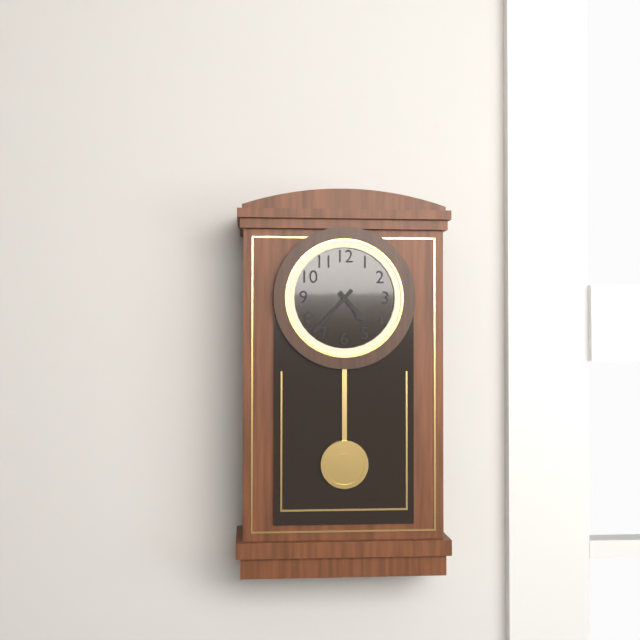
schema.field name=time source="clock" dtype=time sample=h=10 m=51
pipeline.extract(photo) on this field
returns h=4 m=37
